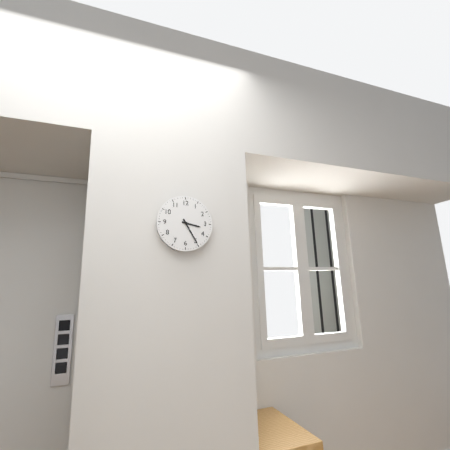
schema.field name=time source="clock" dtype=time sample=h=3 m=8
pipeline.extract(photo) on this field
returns h=3 m=25
